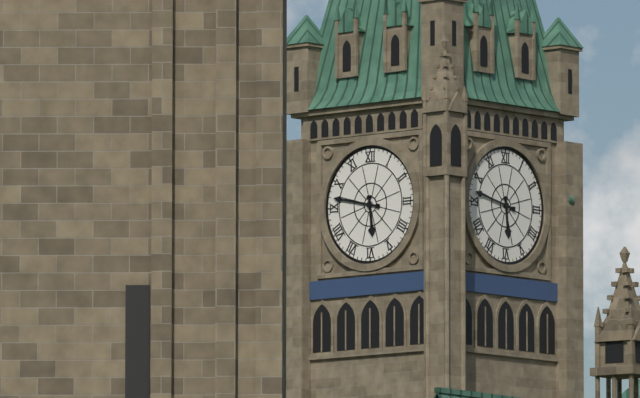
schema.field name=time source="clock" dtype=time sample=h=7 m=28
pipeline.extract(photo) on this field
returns h=5 m=47
